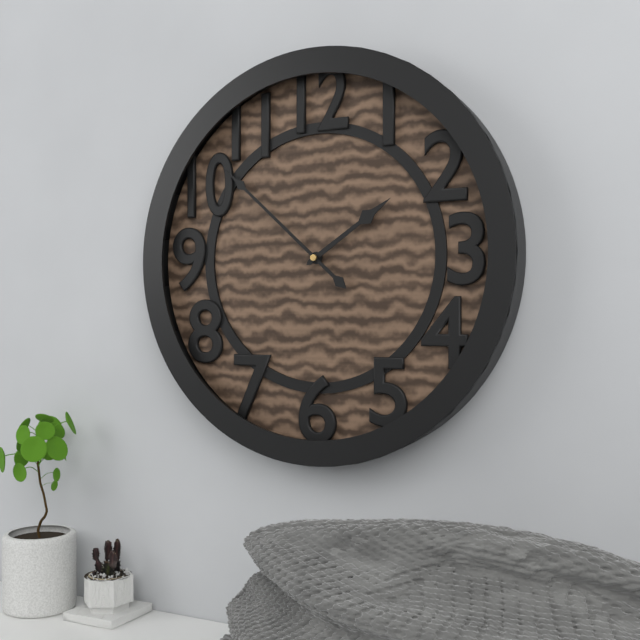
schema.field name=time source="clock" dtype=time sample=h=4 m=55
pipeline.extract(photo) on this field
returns h=1 m=52
